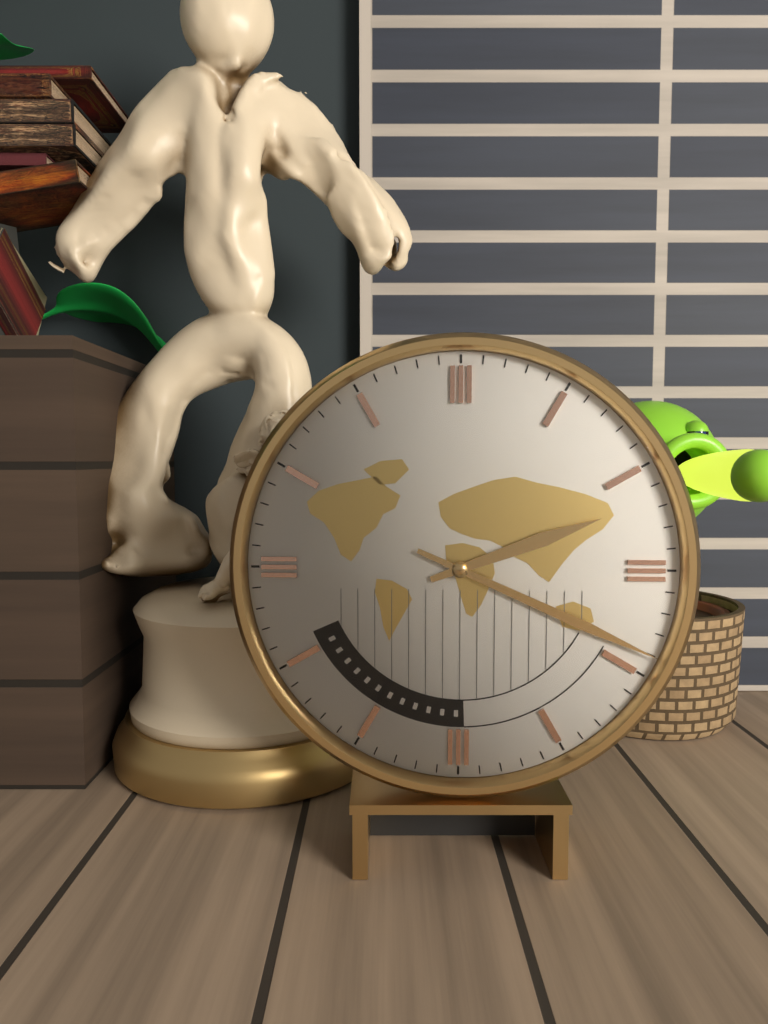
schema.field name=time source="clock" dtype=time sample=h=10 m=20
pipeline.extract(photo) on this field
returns h=2 m=19
